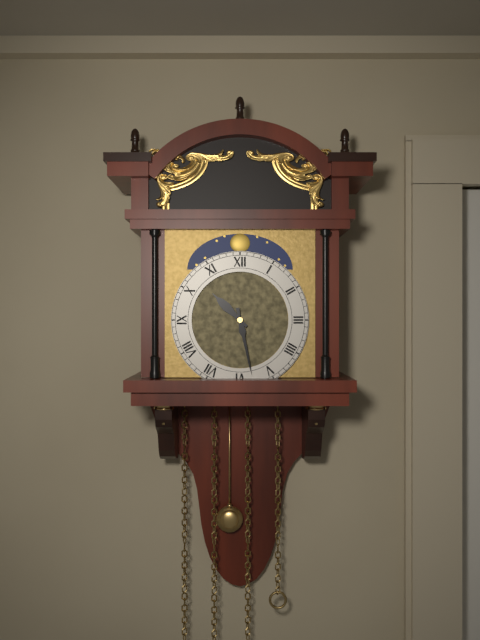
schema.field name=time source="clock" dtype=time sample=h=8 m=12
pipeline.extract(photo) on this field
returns h=10 m=28
